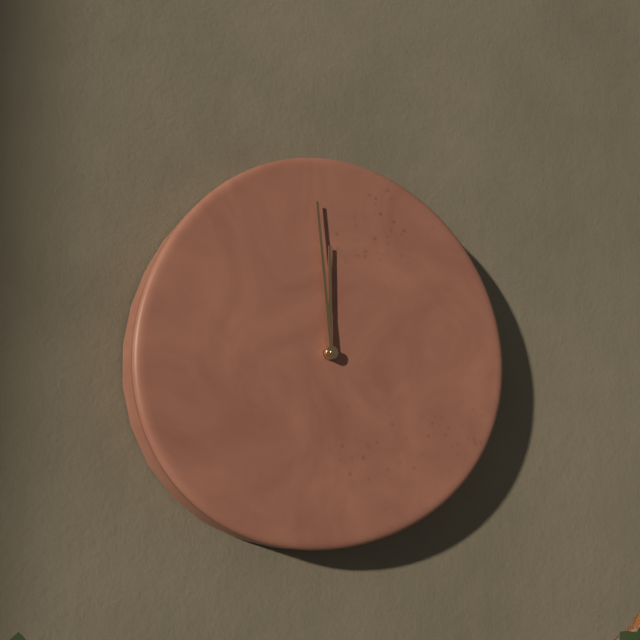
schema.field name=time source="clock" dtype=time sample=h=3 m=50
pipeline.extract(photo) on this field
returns h=11 m=59
